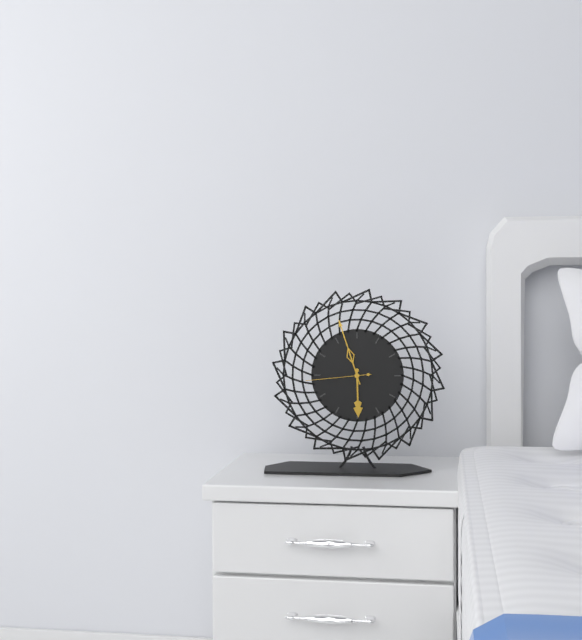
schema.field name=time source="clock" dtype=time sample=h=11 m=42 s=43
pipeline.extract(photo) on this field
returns h=5 m=57 s=44
